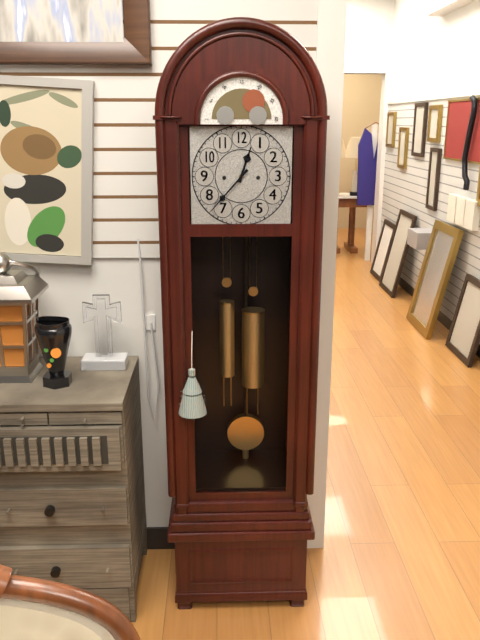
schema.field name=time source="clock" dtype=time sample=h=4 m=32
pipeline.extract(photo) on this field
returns h=12 m=37
